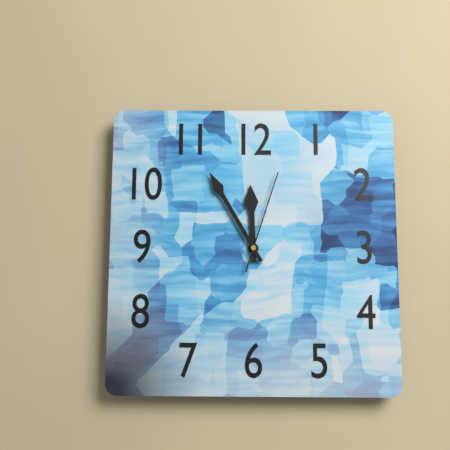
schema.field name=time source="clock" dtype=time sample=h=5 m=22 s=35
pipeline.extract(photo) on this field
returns h=11 m=55 s=3
